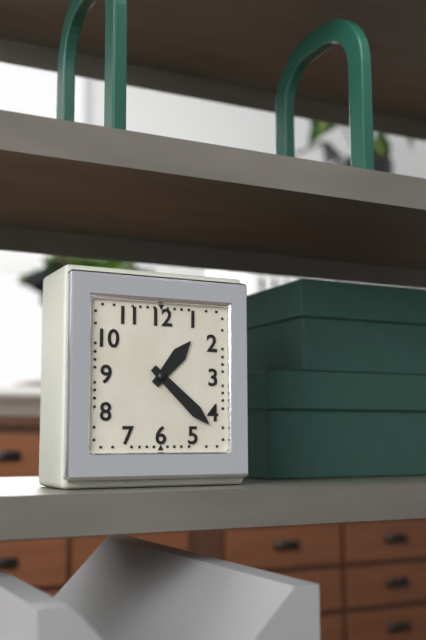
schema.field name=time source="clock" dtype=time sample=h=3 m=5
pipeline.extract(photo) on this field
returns h=1 m=22
